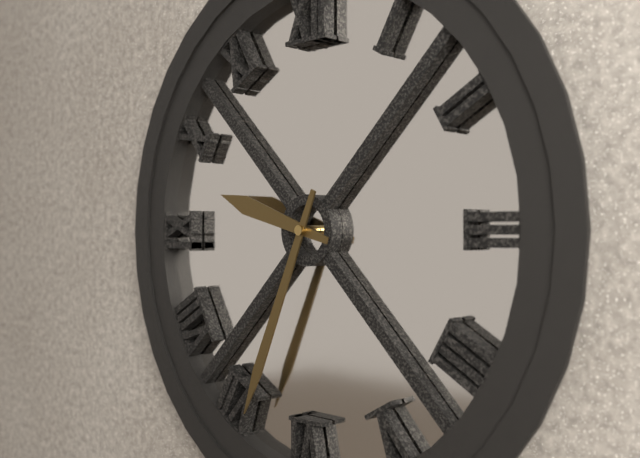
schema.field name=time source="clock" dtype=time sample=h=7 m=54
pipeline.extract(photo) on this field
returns h=9 m=34
